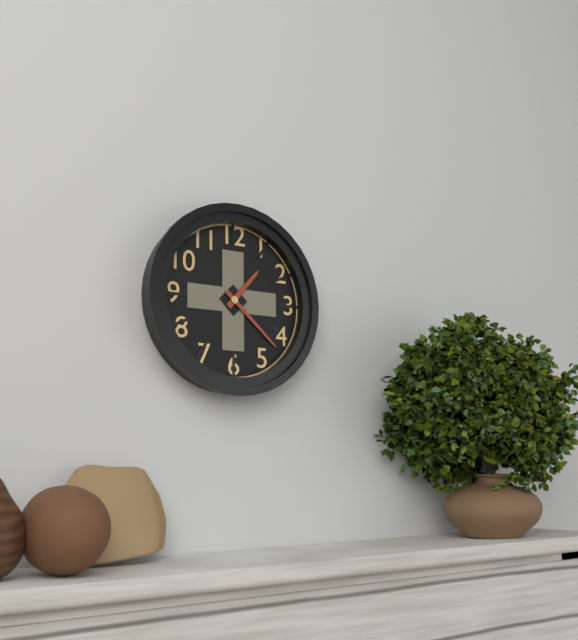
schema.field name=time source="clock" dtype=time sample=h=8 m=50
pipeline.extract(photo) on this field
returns h=1 m=22
